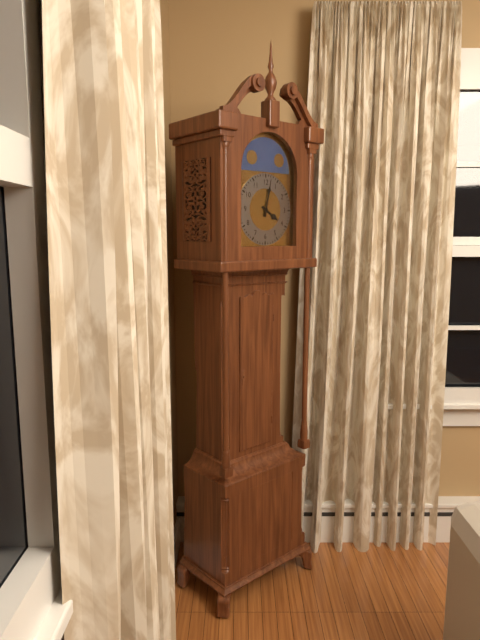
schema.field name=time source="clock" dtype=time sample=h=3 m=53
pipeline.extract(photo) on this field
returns h=4 m=2
